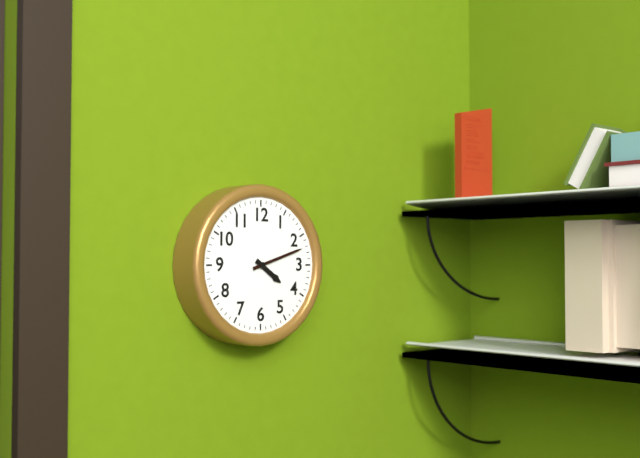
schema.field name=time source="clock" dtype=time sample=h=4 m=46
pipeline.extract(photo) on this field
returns h=4 m=12
